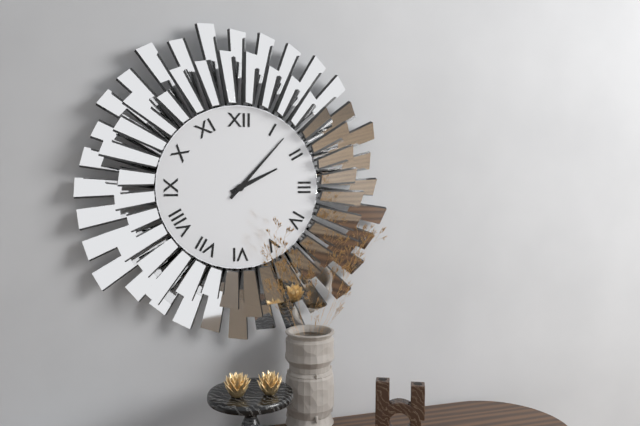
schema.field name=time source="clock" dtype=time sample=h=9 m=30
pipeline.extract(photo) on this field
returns h=2 m=7
